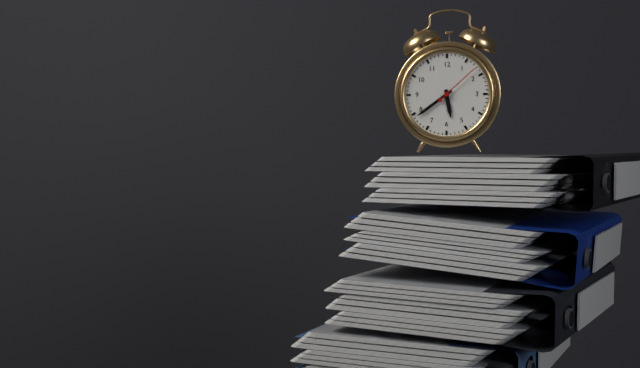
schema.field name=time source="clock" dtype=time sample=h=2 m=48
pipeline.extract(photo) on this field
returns h=5 m=39
